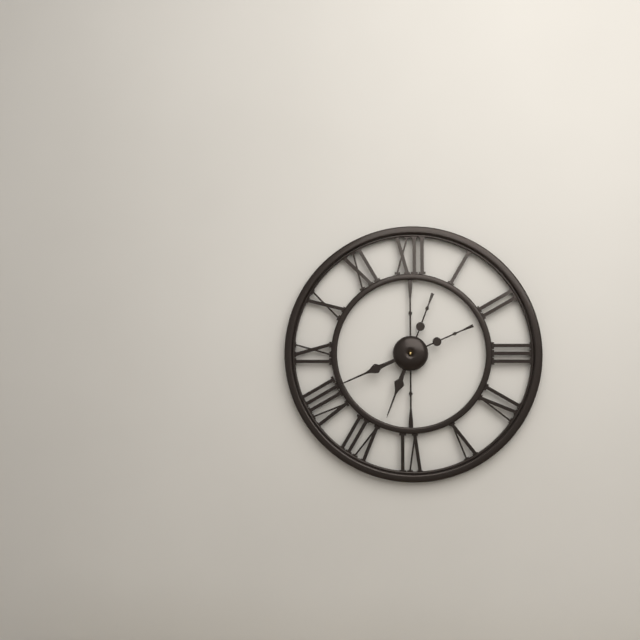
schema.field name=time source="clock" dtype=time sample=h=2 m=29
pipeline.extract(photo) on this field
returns h=6 m=41
